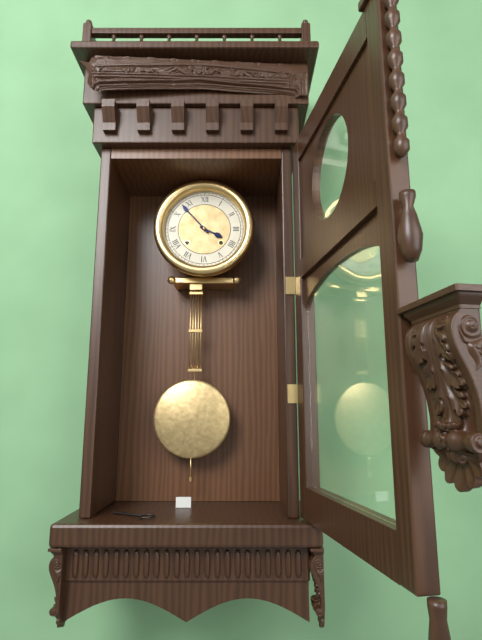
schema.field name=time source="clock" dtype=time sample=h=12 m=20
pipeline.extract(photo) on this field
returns h=3 m=53
